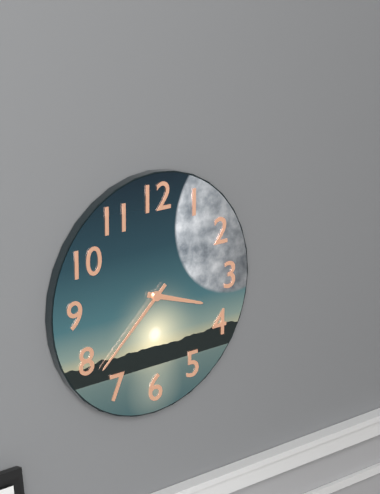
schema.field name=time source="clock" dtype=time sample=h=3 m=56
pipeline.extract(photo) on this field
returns h=3 m=38
